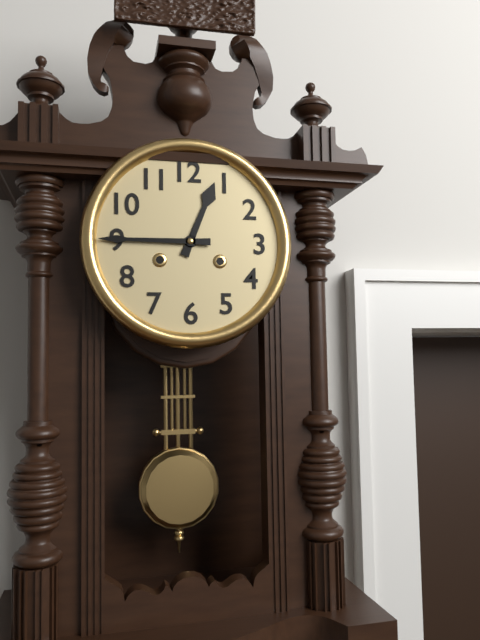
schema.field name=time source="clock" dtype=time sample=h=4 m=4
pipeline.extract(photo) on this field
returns h=12 m=45
